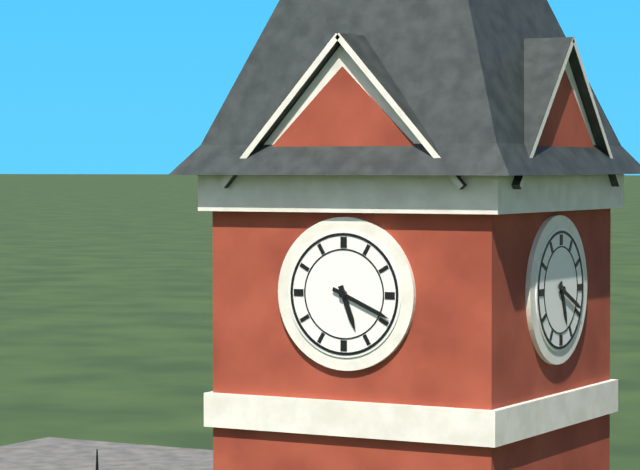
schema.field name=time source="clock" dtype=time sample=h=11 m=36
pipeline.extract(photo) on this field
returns h=5 m=19
